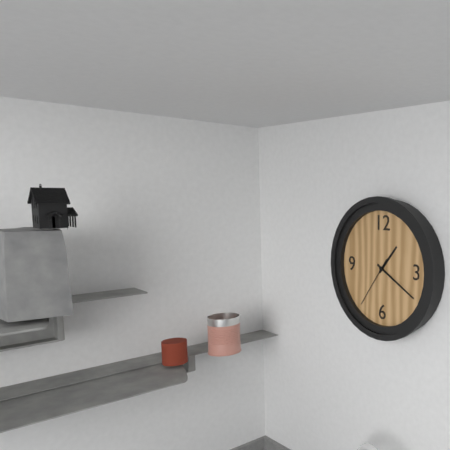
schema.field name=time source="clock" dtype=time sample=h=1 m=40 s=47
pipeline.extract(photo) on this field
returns h=1 m=20 s=36
